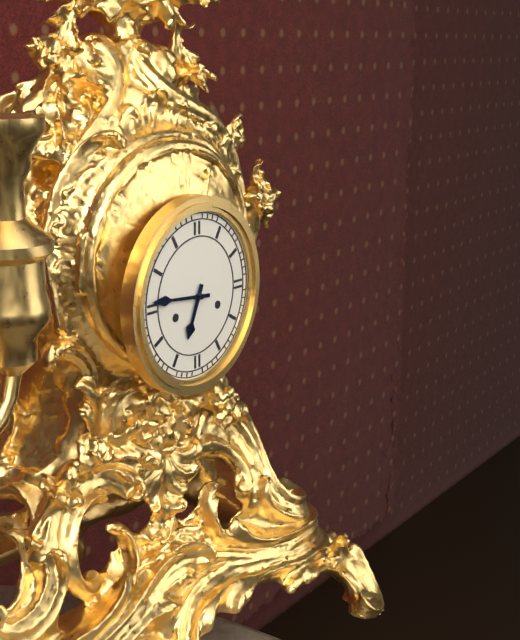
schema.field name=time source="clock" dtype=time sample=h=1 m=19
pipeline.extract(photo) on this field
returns h=6 m=46
